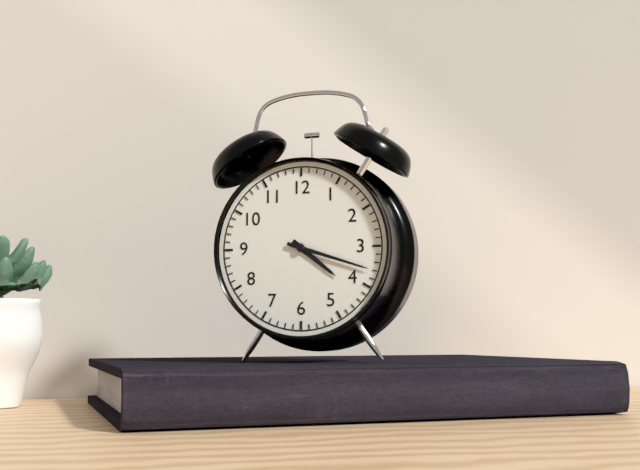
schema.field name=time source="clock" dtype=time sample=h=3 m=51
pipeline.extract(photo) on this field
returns h=4 m=18
